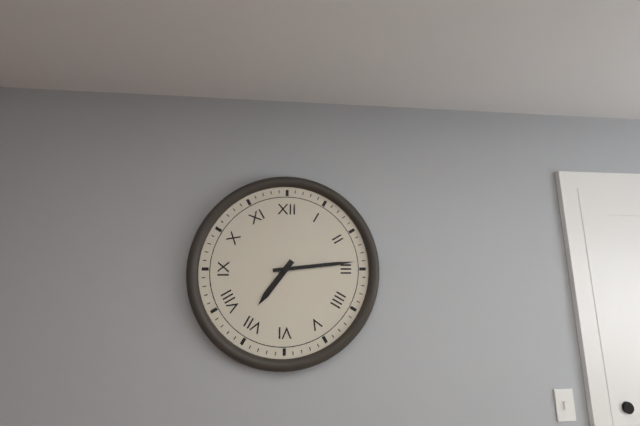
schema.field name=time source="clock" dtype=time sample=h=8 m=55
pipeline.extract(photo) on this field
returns h=7 m=14
